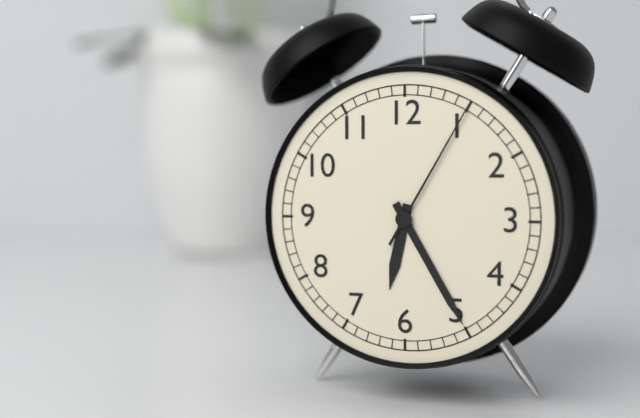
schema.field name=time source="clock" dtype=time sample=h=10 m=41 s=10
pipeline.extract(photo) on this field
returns h=6 m=25 s=5
